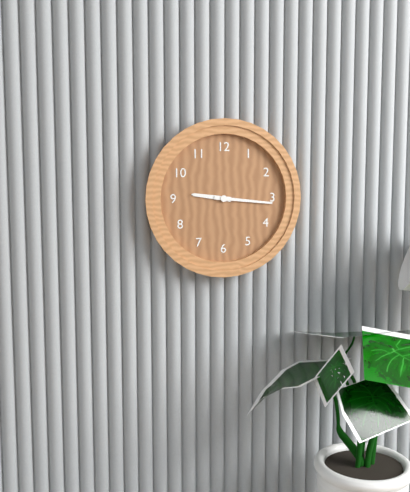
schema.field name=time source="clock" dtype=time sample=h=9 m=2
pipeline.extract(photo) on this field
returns h=9 m=16
